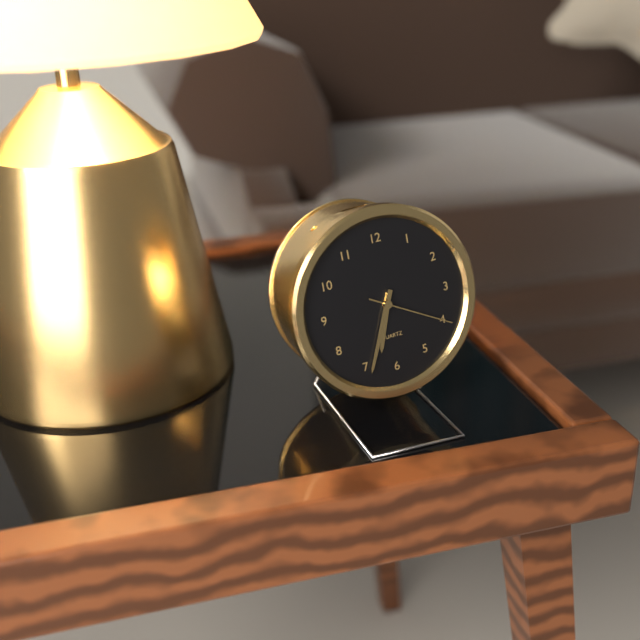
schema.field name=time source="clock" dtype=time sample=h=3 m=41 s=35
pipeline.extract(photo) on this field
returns h=6 m=34 s=20
